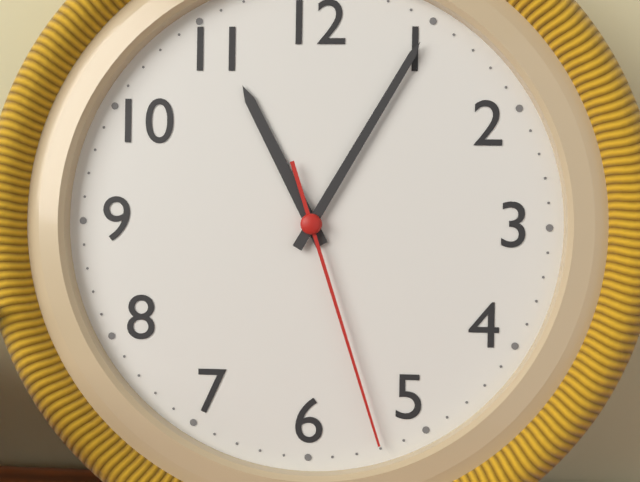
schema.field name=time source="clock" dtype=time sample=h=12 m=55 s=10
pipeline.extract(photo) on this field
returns h=11 m=5 s=27
